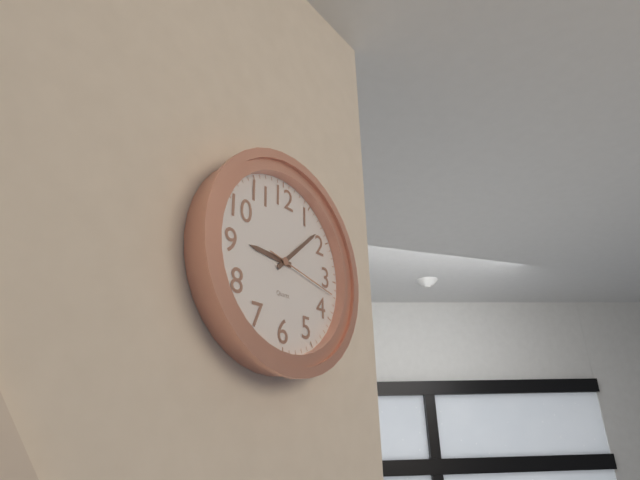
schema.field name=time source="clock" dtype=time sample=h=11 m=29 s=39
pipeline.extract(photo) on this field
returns h=9 m=8 s=17
